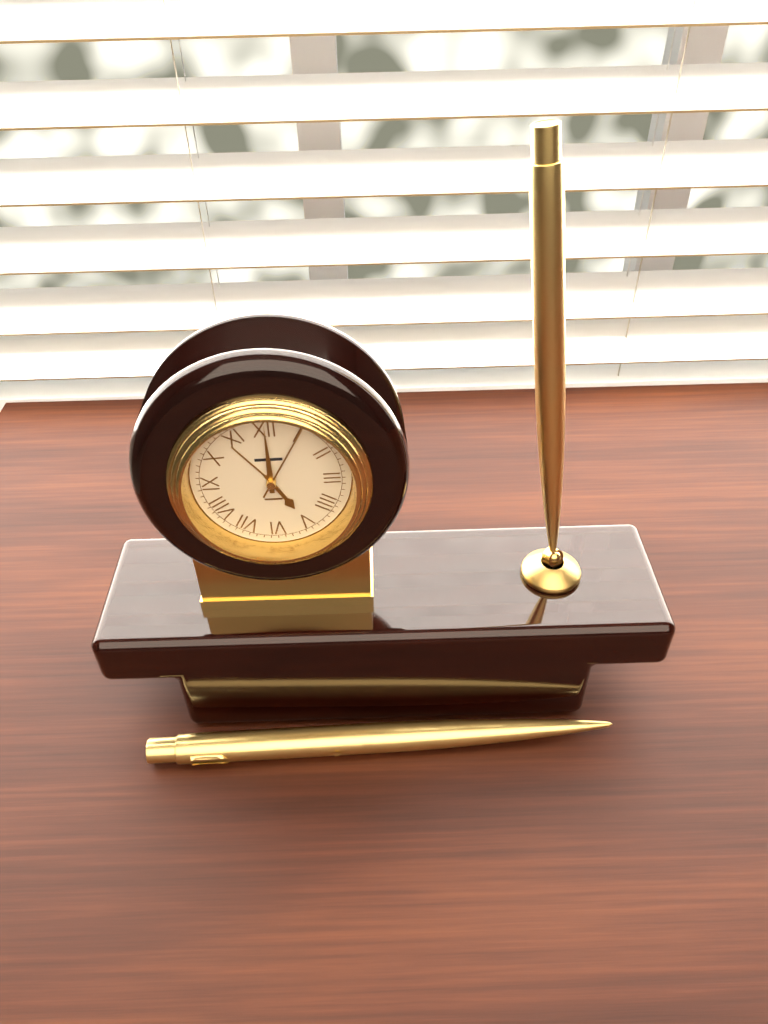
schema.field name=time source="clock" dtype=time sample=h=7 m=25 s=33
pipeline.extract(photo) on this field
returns h=5 m=0 s=5
